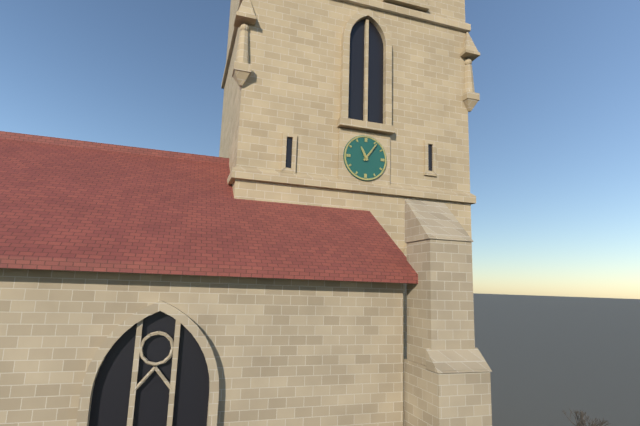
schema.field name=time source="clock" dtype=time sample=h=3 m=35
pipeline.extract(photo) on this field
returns h=11 m=6
